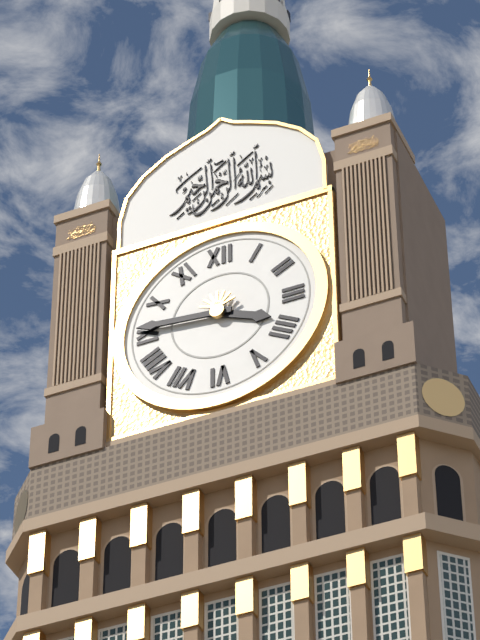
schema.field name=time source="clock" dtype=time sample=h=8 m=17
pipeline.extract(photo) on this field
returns h=3 m=46
